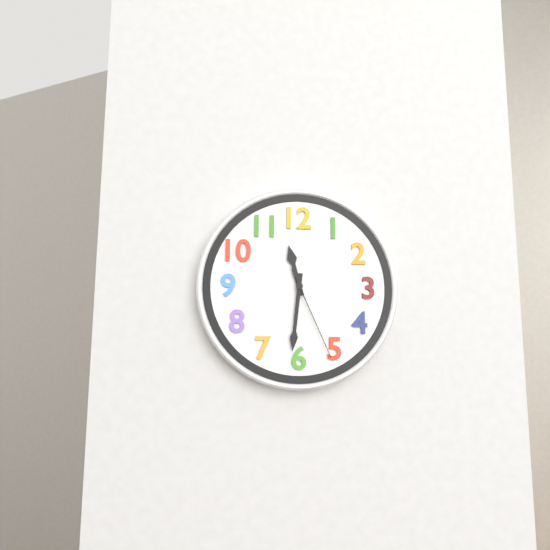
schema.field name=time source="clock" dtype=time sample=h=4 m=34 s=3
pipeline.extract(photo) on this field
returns h=11 m=31 s=26
